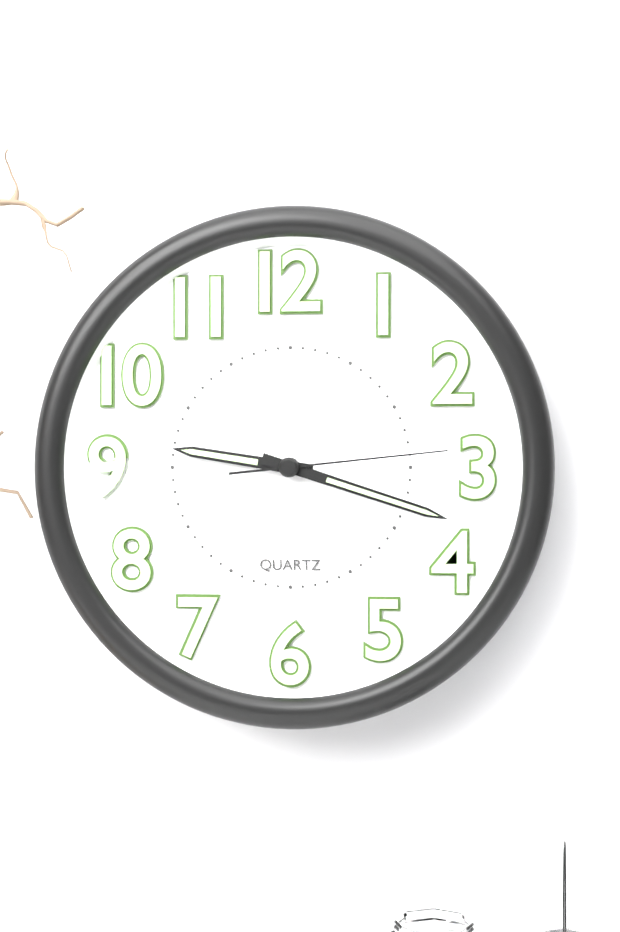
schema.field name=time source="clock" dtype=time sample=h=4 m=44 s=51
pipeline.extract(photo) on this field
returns h=9 m=18 s=14
